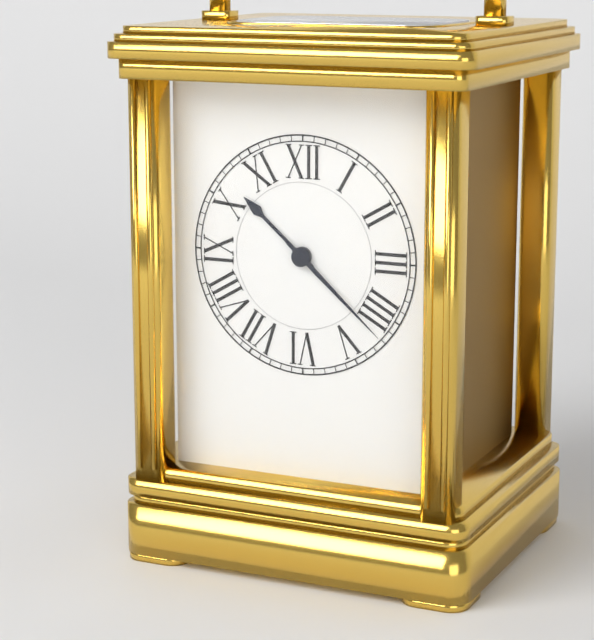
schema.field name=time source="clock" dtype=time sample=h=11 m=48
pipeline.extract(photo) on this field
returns h=10 m=22
